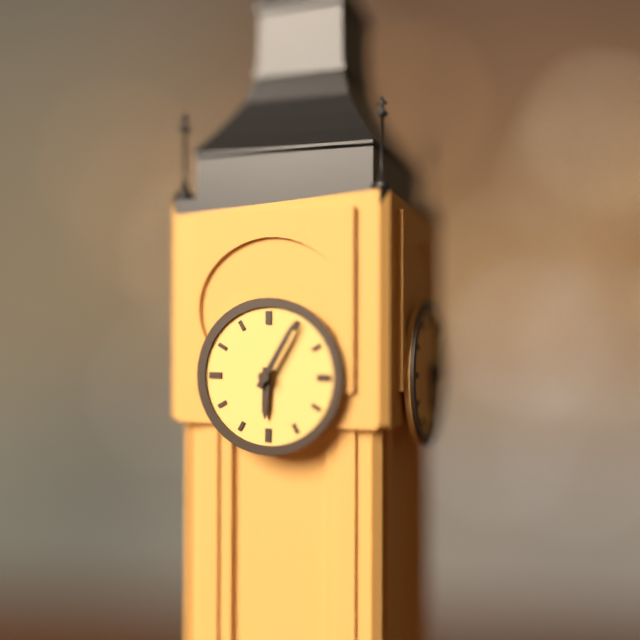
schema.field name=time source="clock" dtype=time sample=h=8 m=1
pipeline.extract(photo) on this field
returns h=6 m=5
